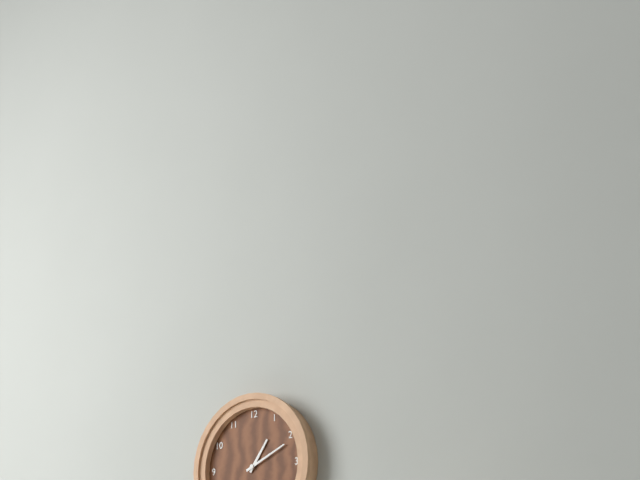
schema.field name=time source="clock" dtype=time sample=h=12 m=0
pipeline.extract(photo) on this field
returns h=1 m=11
